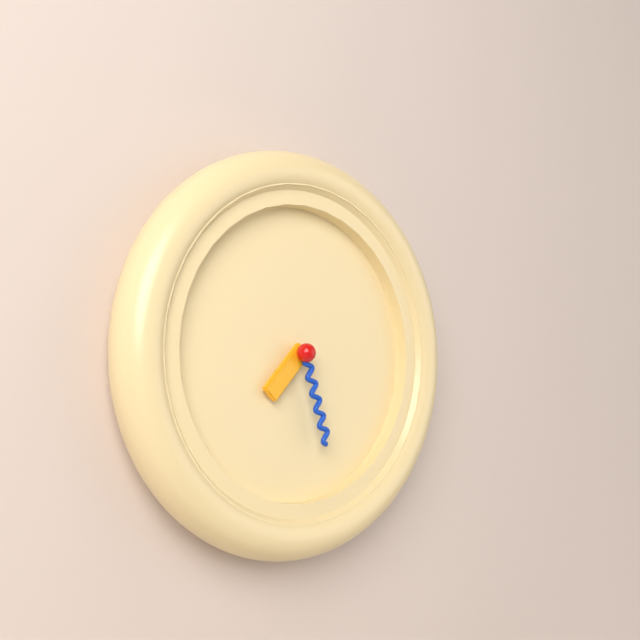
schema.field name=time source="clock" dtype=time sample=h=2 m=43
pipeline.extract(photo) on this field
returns h=7 m=27
